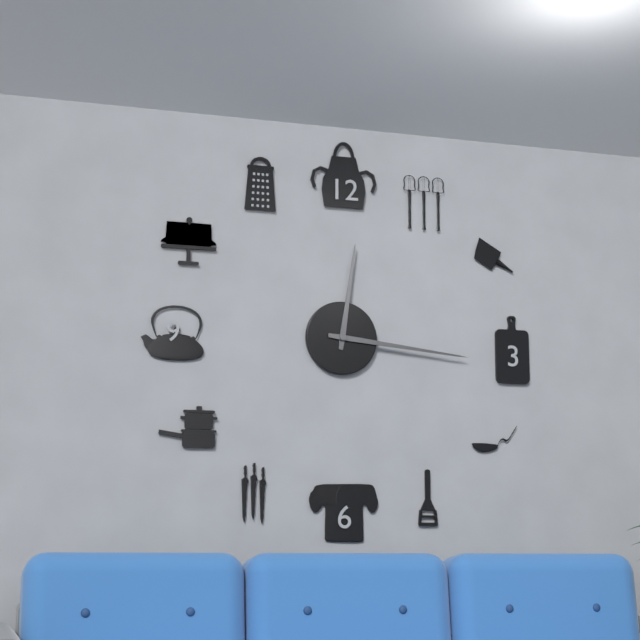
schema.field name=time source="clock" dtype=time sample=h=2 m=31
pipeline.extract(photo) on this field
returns h=12 m=16
